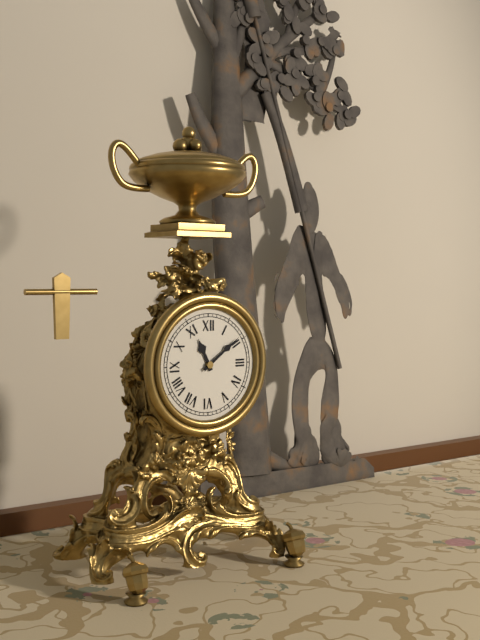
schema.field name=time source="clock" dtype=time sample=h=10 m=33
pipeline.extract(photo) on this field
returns h=11 m=9
